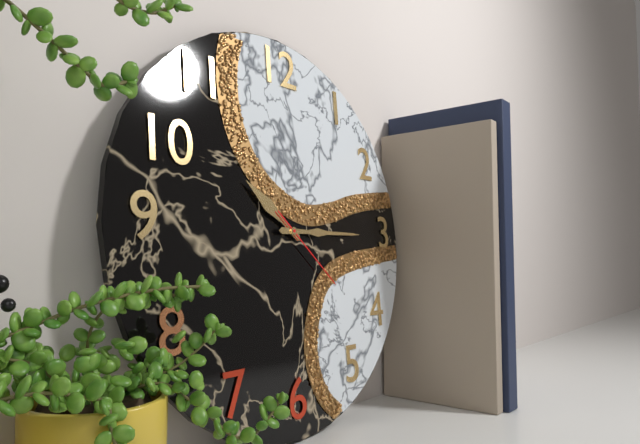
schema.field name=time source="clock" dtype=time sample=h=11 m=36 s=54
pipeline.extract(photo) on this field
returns h=10 m=15 s=22
